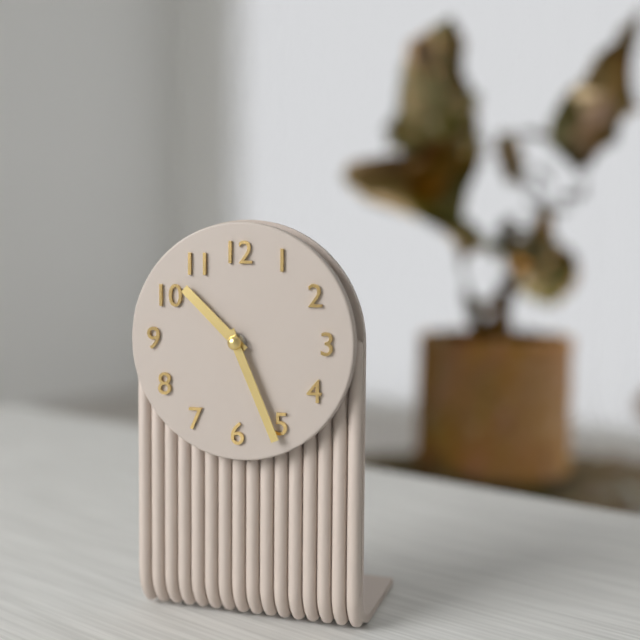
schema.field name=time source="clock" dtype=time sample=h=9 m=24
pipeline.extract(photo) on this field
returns h=10 m=26
